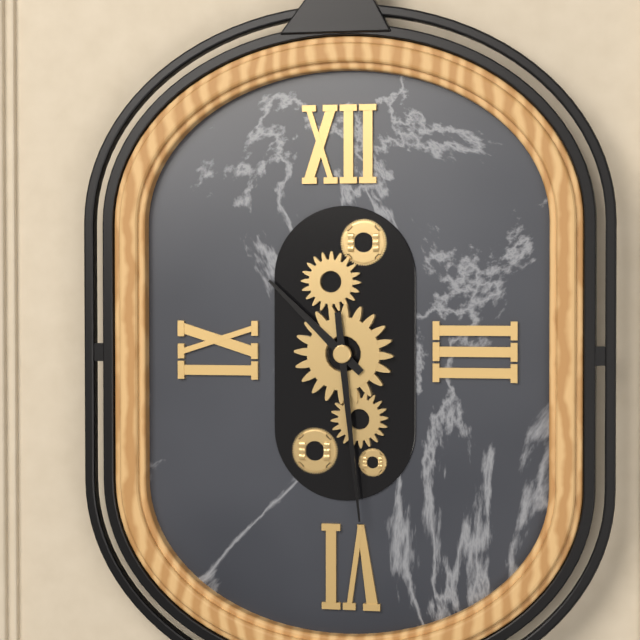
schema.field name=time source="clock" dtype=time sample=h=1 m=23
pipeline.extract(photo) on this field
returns h=10 m=29
